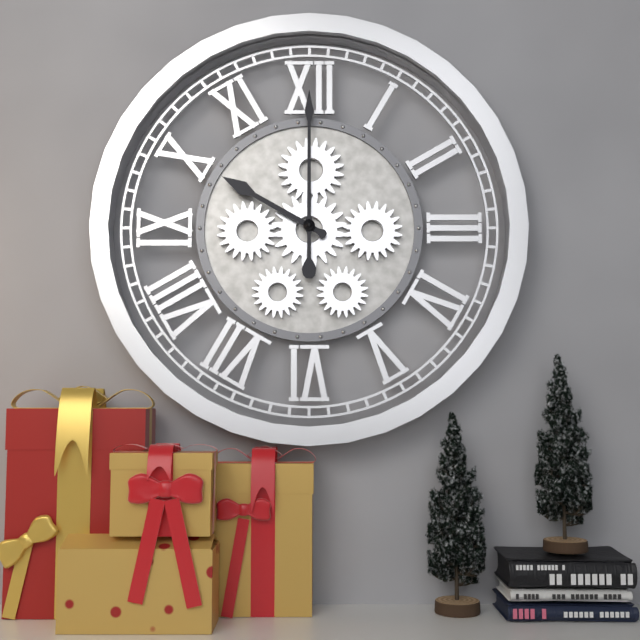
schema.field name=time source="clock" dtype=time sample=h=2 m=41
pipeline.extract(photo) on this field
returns h=10 m=0
